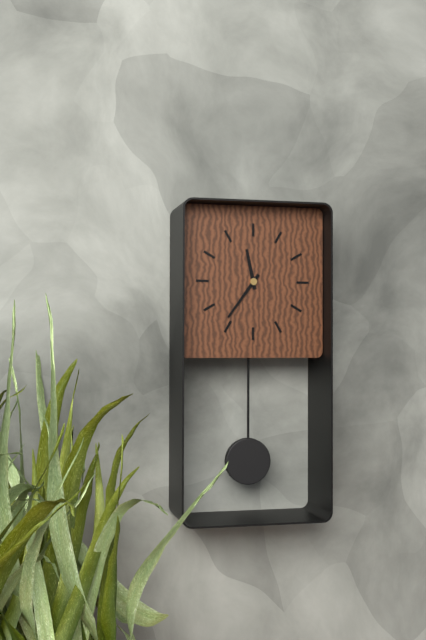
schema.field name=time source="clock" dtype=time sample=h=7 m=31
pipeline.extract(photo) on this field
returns h=11 m=36
